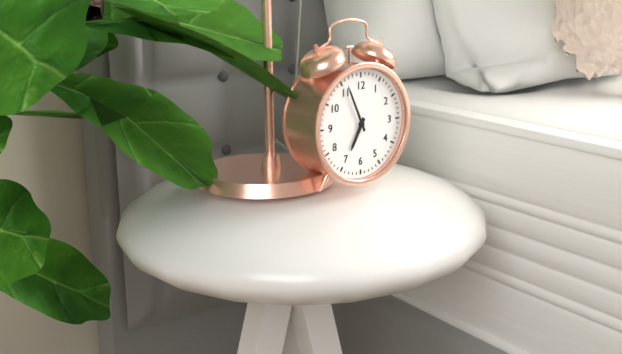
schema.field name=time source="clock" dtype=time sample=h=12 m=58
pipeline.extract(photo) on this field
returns h=6 m=56
